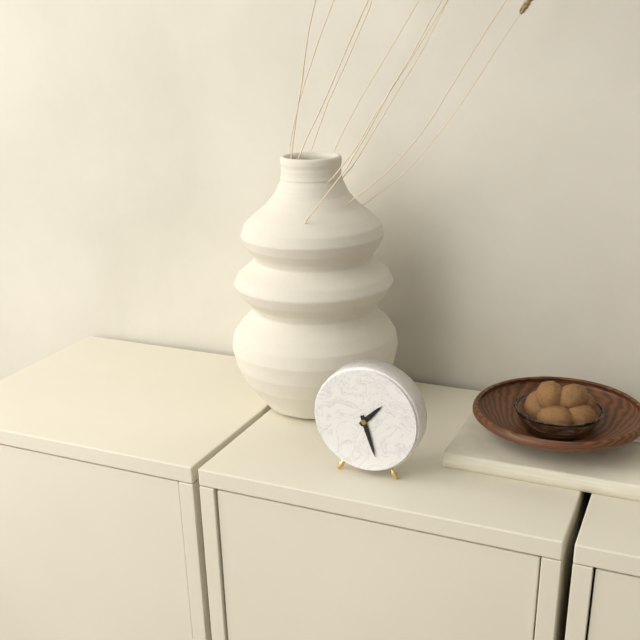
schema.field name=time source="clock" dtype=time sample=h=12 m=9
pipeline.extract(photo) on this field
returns h=1 m=27
